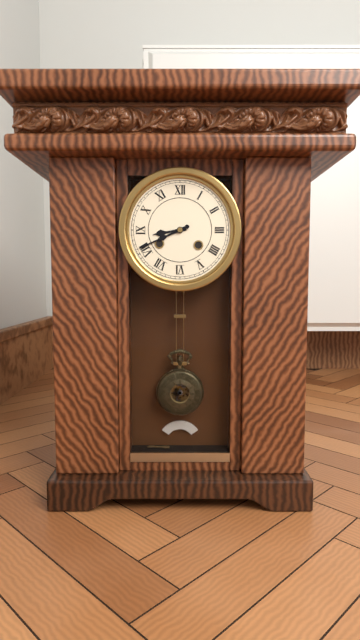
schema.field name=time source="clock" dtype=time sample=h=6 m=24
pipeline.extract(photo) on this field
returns h=8 m=41
